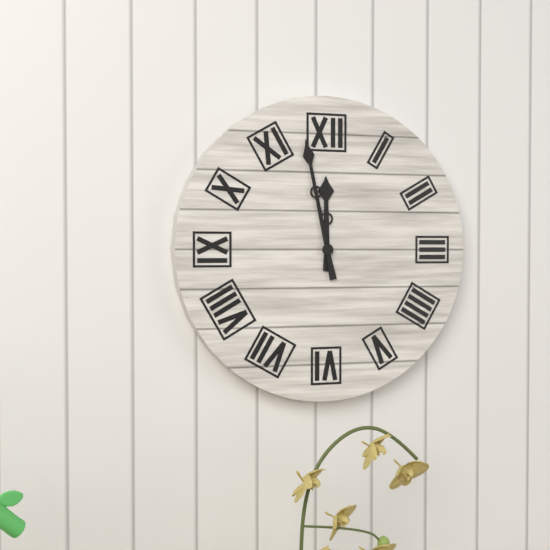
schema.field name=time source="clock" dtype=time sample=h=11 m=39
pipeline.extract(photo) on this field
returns h=11 m=58
